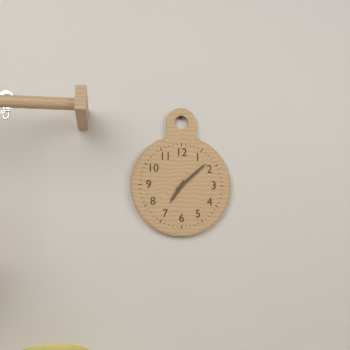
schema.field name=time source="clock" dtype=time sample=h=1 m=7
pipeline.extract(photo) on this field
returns h=7 m=8
